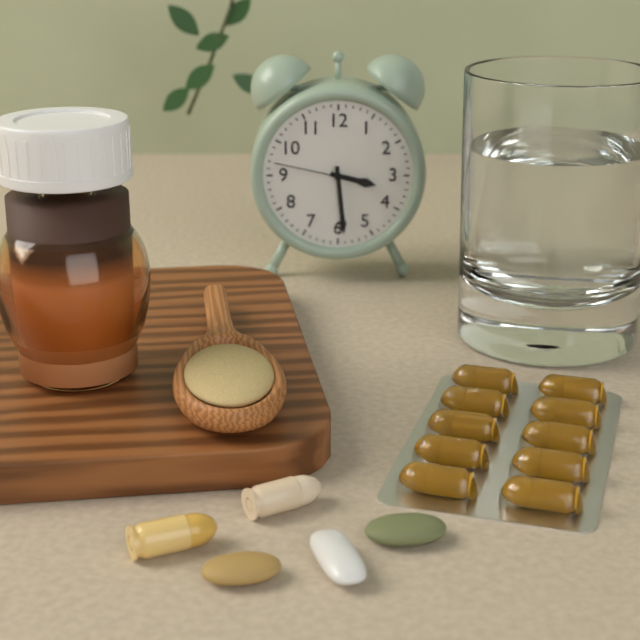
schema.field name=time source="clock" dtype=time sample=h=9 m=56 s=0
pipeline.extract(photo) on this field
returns h=3 m=29 s=47
